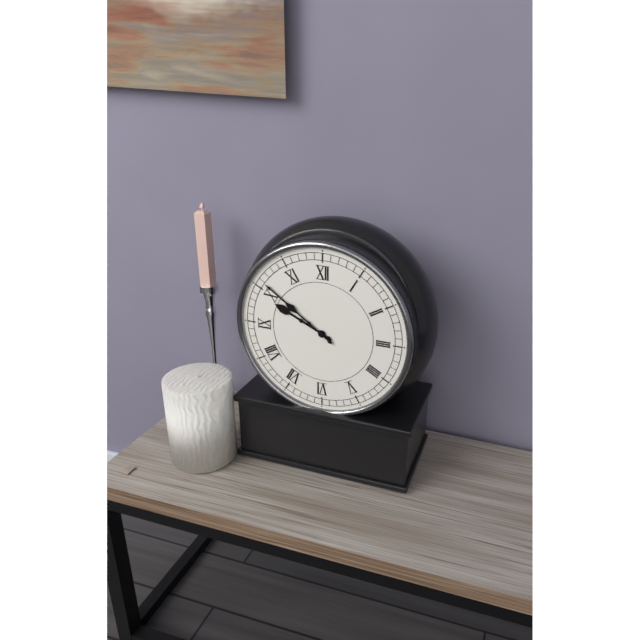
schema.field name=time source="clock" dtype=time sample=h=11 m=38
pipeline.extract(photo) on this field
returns h=9 m=51
